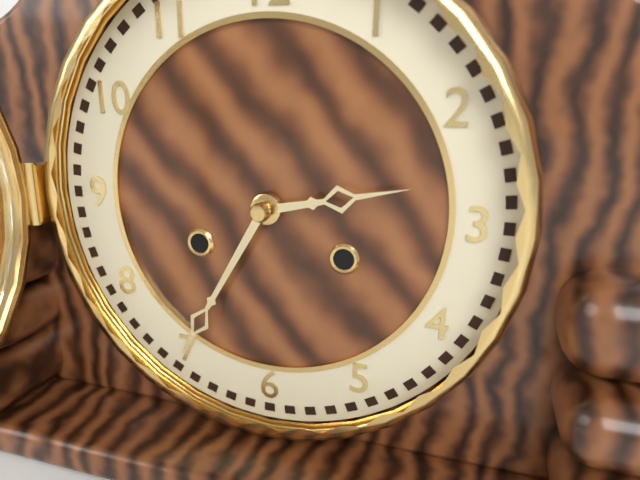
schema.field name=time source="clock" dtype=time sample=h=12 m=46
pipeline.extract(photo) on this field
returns h=2 m=35
